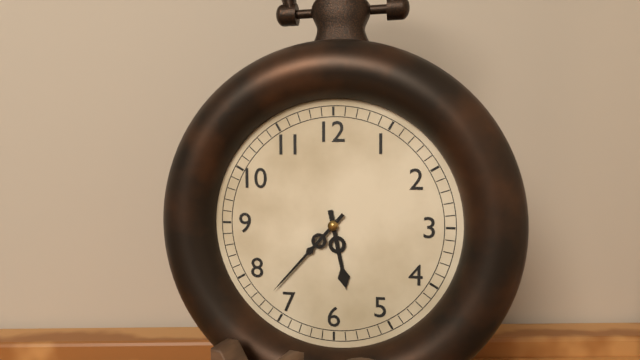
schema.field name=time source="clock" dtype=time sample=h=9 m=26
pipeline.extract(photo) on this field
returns h=5 m=37
